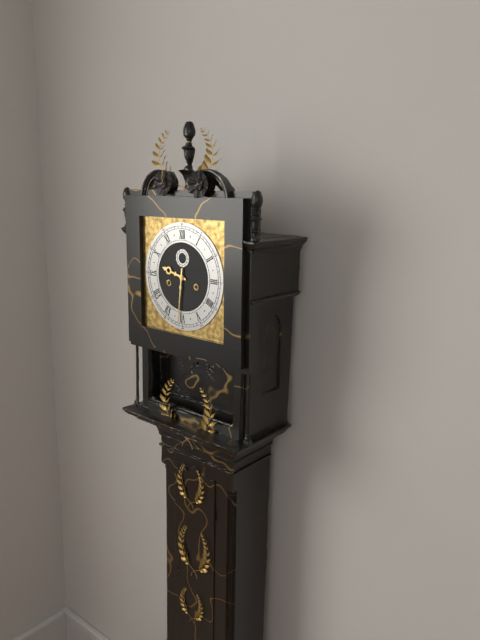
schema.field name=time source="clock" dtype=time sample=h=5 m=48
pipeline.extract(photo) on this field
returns h=9 m=31
